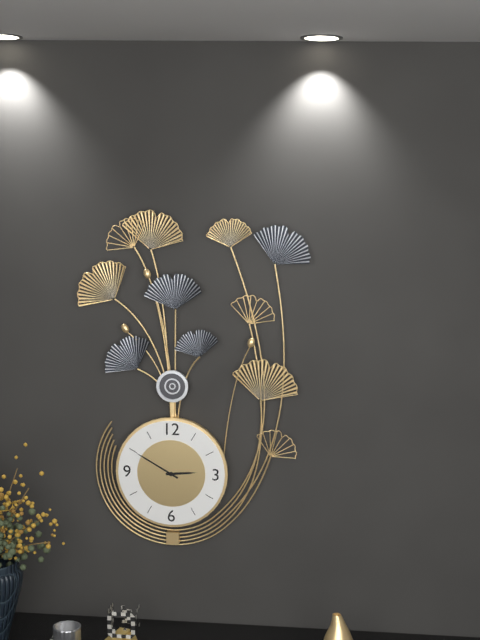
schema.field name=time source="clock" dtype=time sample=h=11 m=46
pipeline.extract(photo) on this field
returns h=2 m=50
